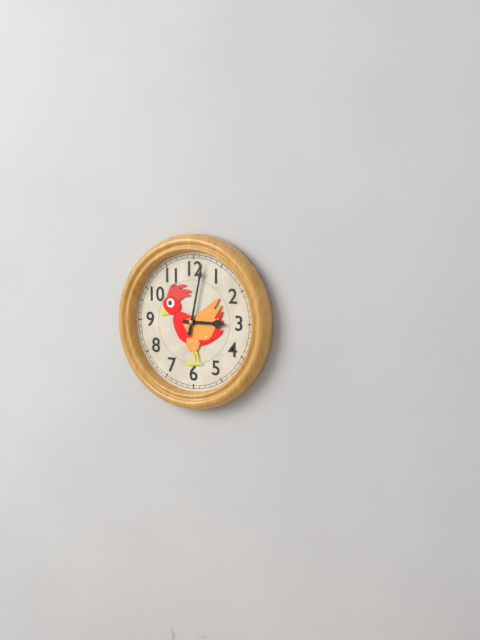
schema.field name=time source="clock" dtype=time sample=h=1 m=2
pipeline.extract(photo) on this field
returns h=3 m=2
